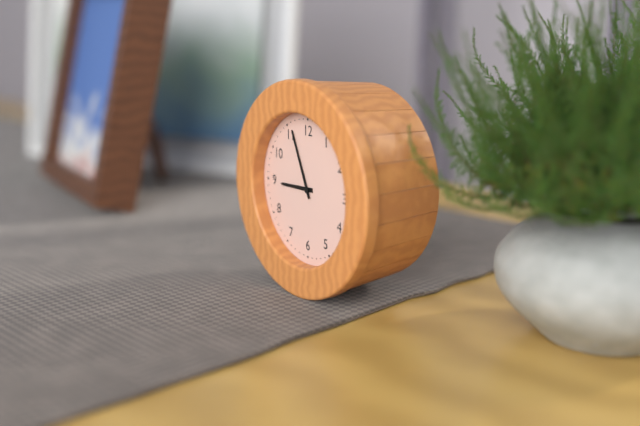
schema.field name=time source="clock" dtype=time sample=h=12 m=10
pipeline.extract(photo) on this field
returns h=8 m=56
